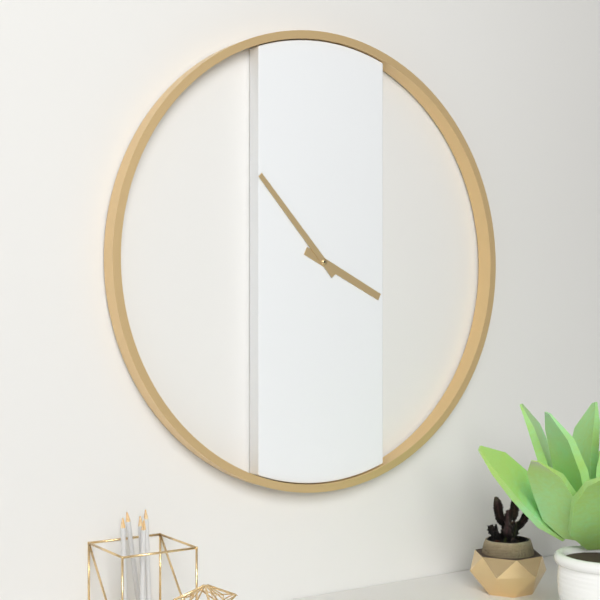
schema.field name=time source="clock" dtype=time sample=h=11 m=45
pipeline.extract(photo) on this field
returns h=3 m=53
